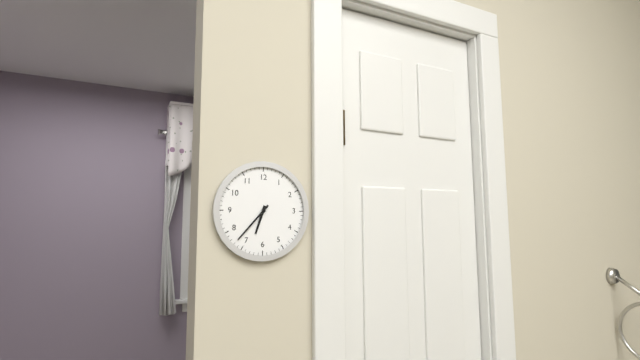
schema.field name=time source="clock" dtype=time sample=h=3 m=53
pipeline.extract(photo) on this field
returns h=6 m=37
